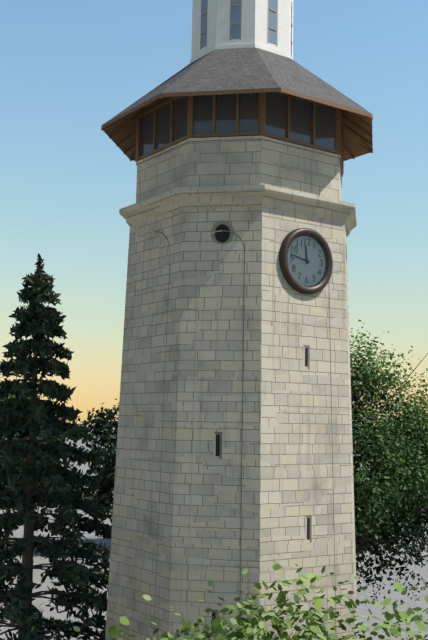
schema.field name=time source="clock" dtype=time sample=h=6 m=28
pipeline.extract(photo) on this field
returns h=11 m=47
